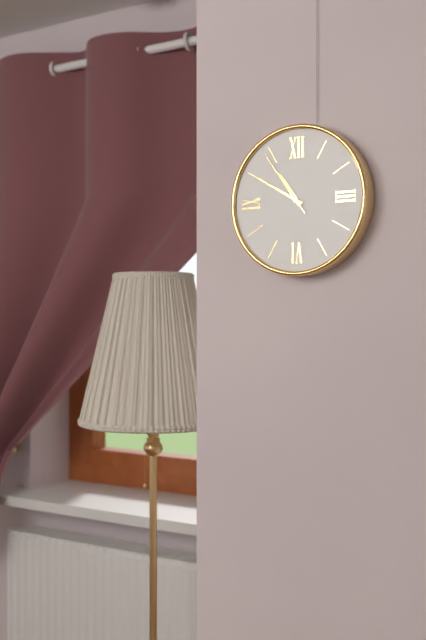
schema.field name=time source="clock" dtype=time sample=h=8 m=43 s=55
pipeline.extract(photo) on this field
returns h=10 m=50 s=54
